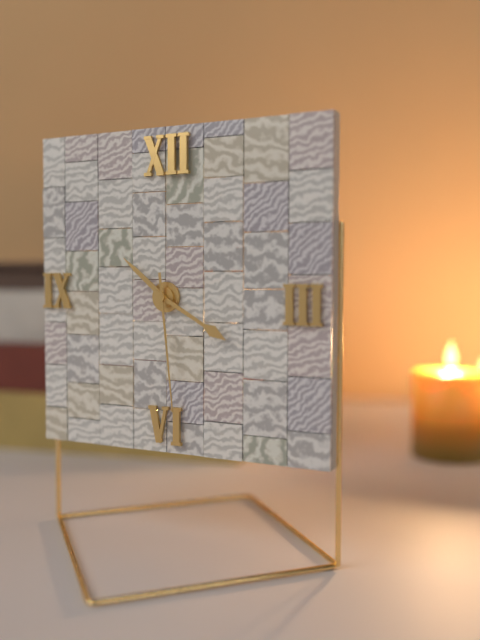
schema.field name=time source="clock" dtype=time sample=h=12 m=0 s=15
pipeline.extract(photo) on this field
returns h=10 m=20 s=29
